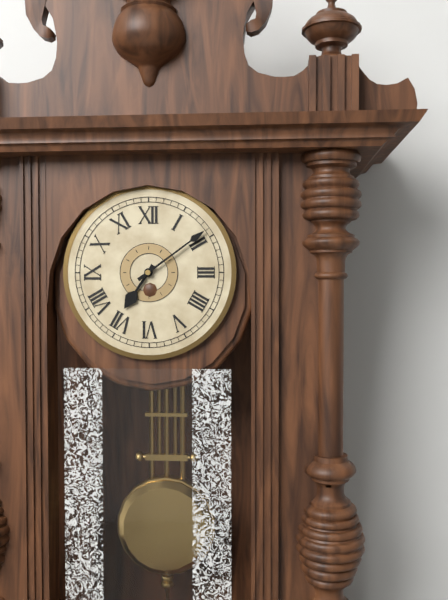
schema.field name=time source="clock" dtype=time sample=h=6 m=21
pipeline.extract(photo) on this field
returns h=7 m=9
